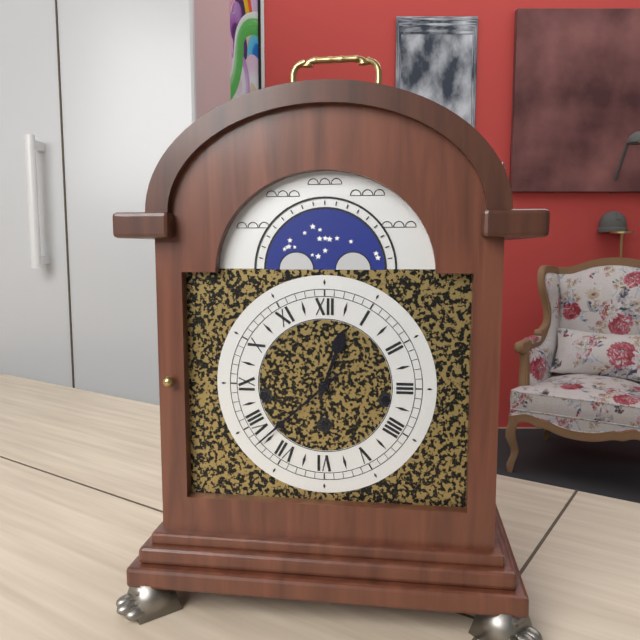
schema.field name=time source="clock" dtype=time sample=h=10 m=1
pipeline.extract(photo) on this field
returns h=12 m=38
